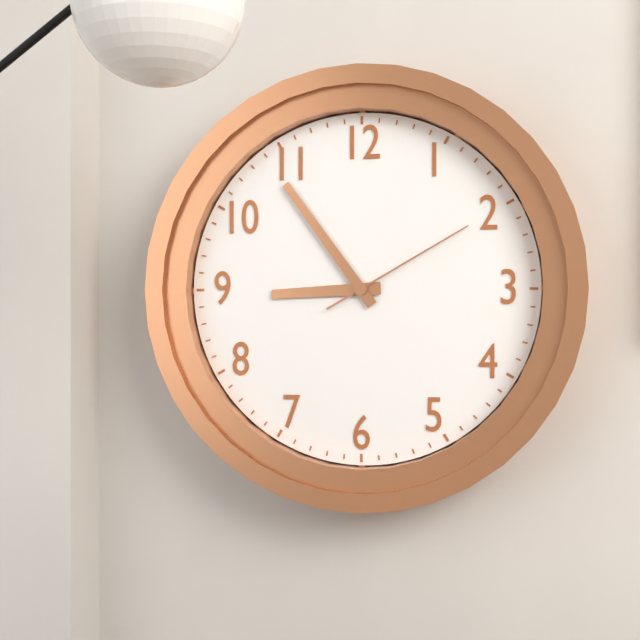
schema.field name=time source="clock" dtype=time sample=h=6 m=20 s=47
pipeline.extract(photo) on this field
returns h=8 m=54 s=10
